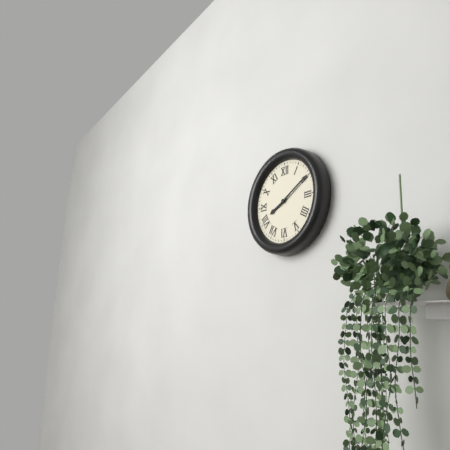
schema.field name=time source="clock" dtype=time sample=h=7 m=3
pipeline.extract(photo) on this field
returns h=8 m=10
